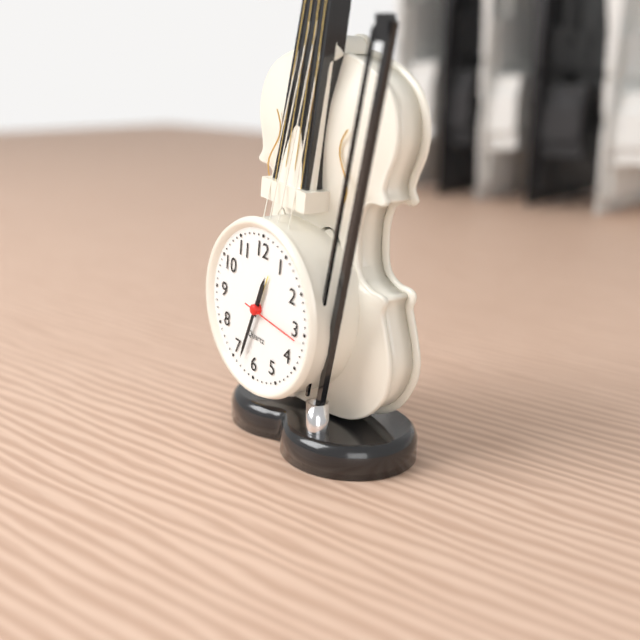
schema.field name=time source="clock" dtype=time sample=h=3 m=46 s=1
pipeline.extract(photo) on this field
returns h=12 m=33 s=16
